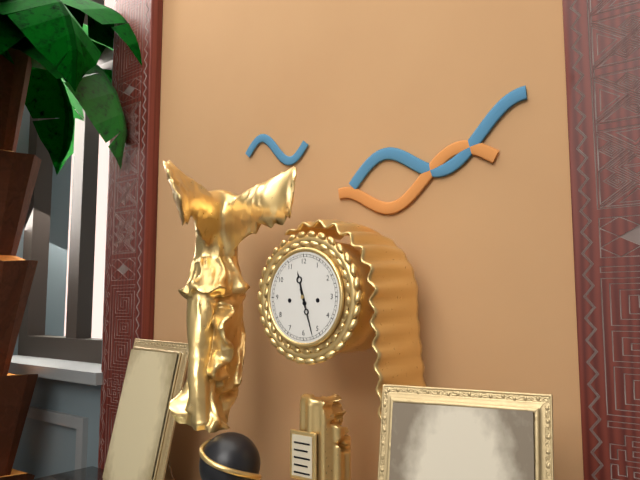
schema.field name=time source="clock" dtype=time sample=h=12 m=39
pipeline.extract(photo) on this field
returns h=11 m=27
